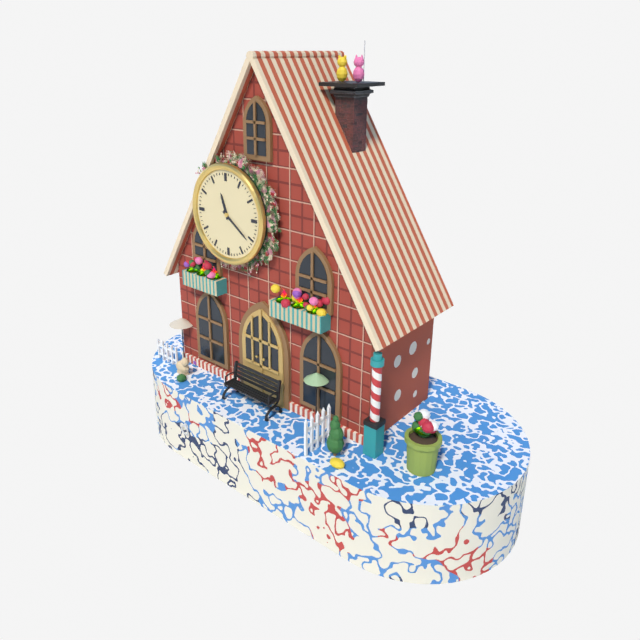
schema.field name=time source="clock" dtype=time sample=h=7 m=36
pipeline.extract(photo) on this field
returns h=11 m=21
